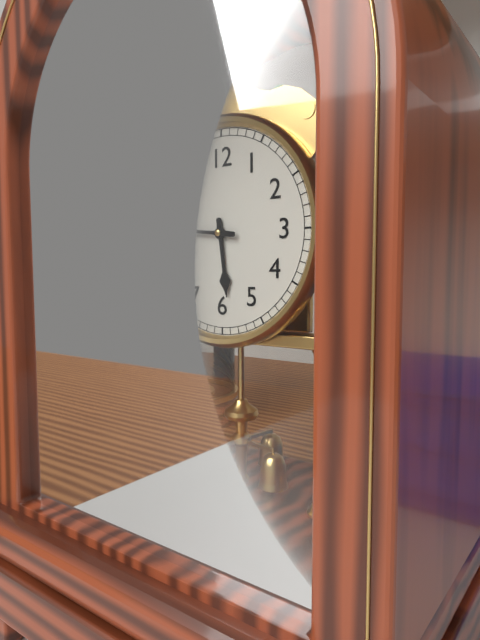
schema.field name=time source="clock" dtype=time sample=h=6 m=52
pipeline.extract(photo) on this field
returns h=5 m=46
